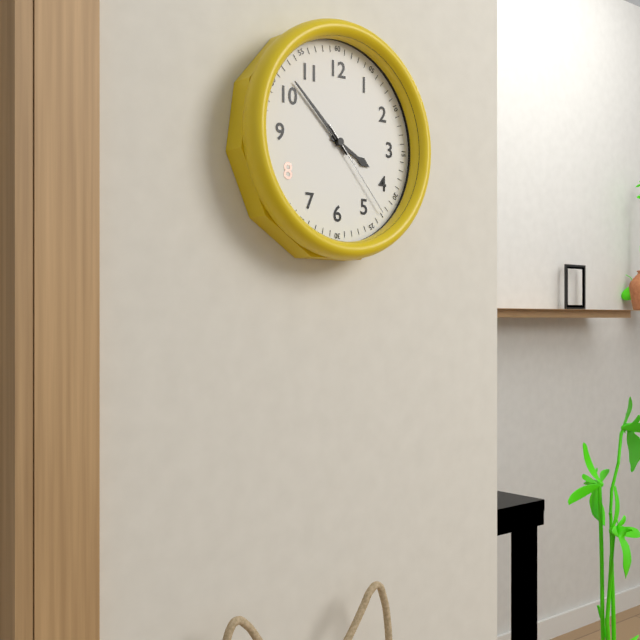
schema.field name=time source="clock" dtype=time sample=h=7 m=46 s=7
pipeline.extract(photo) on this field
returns h=3 m=52 s=23
